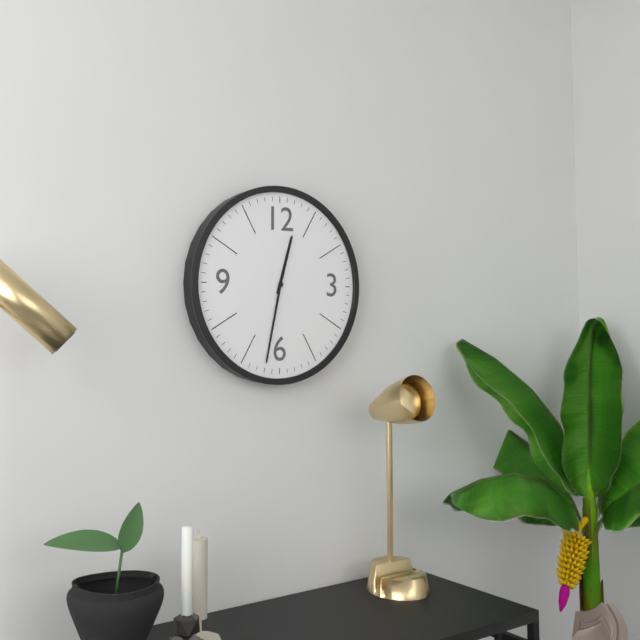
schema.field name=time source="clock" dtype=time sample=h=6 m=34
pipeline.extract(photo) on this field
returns h=12 m=32
